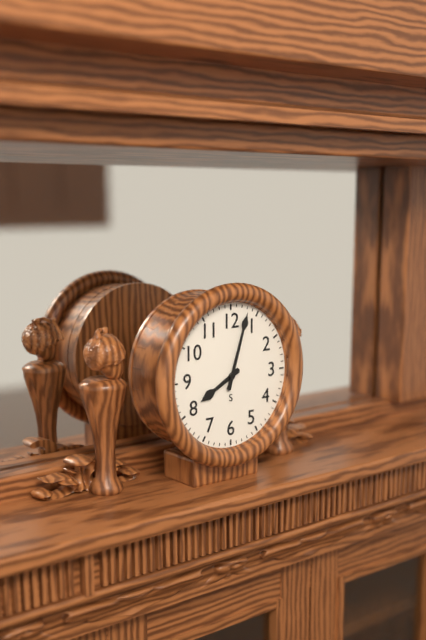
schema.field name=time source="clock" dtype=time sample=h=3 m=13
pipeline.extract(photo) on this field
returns h=8 m=3
